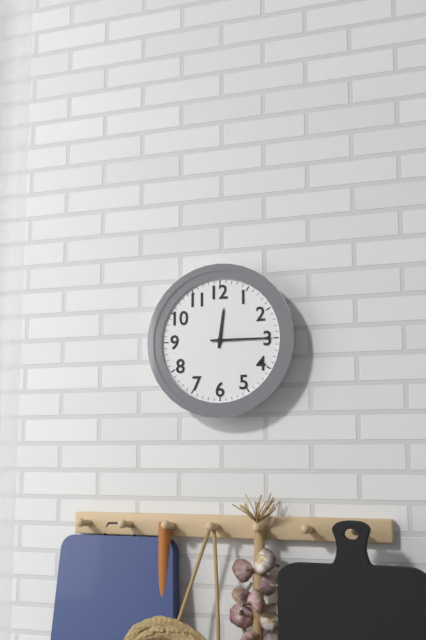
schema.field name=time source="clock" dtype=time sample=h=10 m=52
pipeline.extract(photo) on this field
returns h=12 m=15
